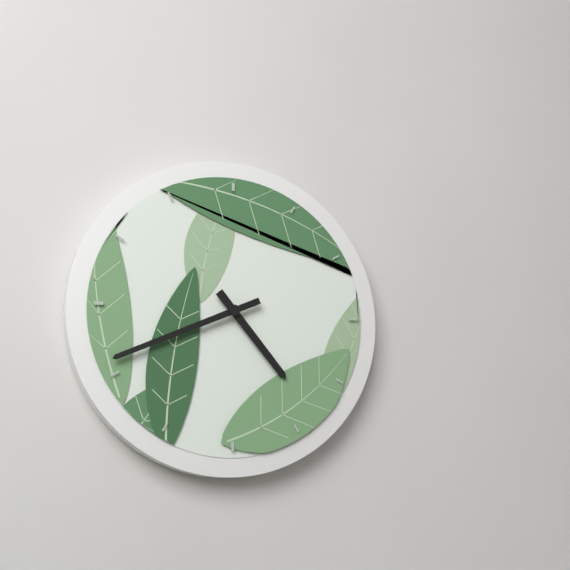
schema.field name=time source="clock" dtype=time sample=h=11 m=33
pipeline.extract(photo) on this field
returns h=4 m=41
